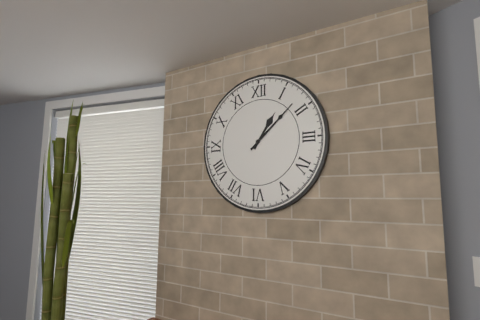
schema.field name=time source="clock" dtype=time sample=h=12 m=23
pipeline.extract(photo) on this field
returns h=1 m=8
